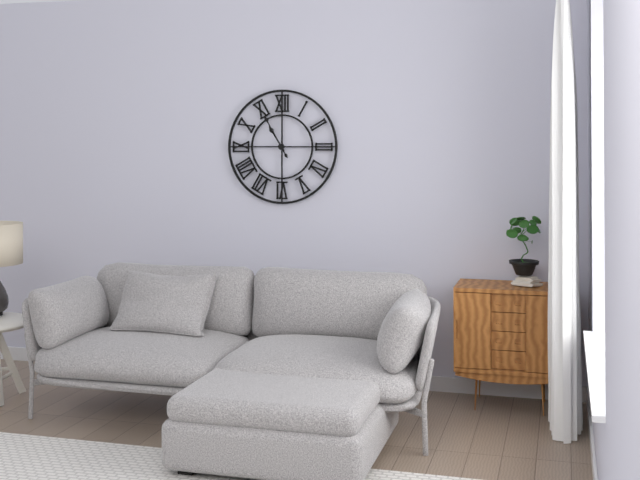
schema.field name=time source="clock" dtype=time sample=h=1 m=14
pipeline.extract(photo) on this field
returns h=10 m=55
